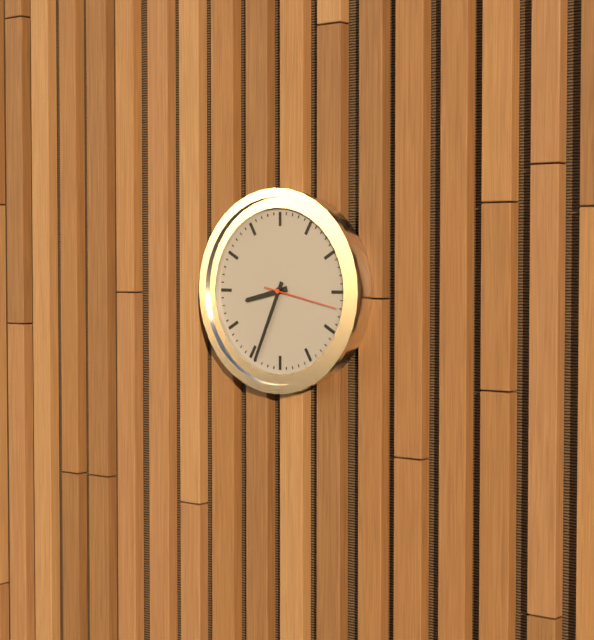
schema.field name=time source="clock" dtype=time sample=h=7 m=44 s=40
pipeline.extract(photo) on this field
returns h=8 m=34 s=17
